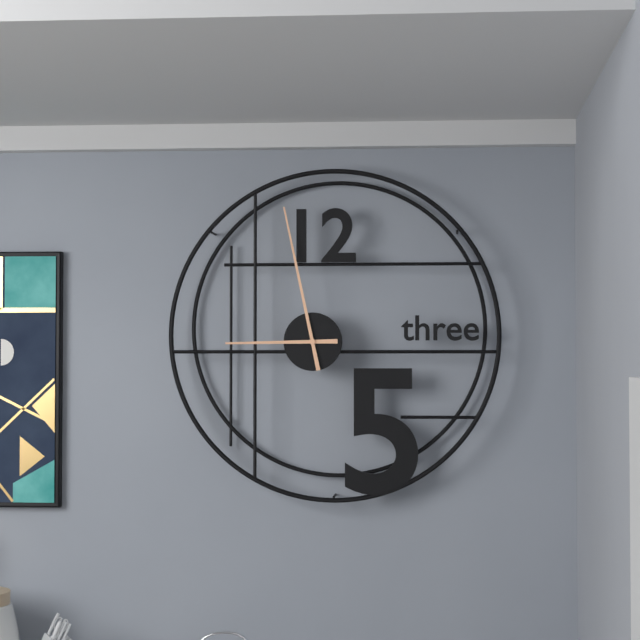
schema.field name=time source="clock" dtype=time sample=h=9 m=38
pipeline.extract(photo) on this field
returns h=8 m=58
